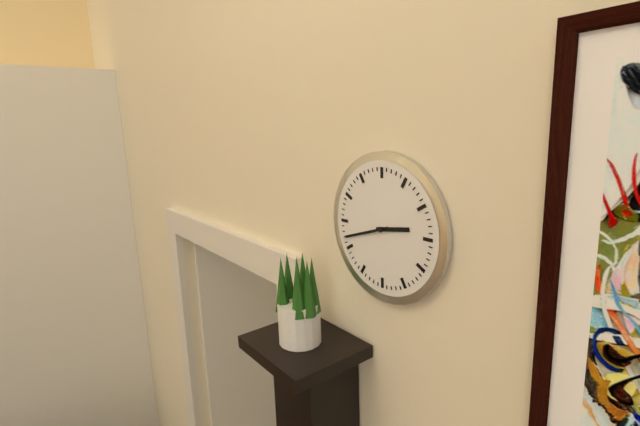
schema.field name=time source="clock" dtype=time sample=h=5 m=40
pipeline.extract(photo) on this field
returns h=2 m=42
